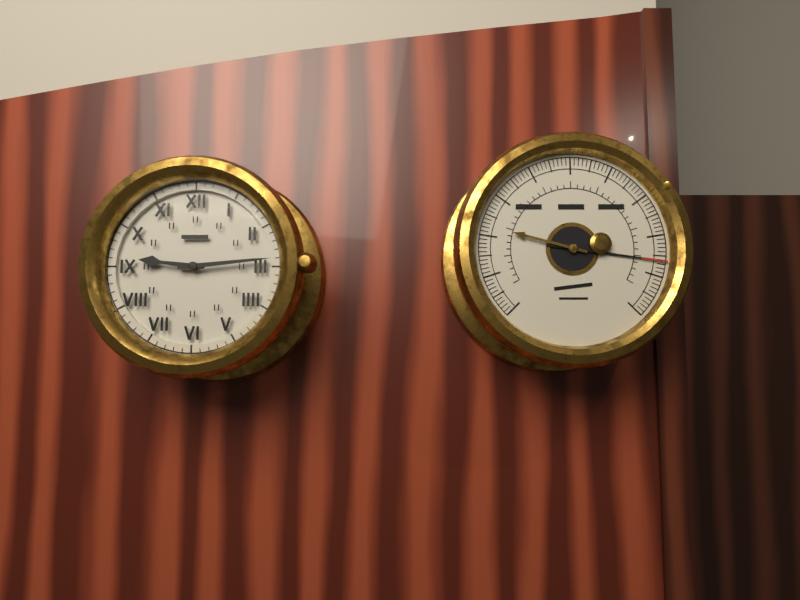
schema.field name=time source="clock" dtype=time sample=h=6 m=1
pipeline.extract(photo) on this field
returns h=9 m=14
